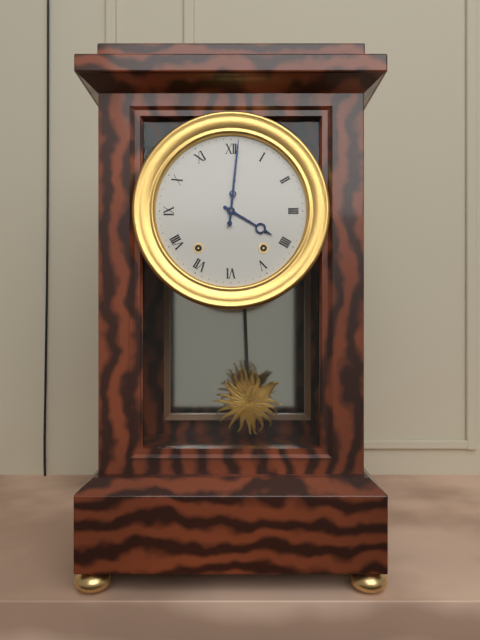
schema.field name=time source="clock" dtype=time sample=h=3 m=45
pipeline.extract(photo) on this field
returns h=4 m=1
